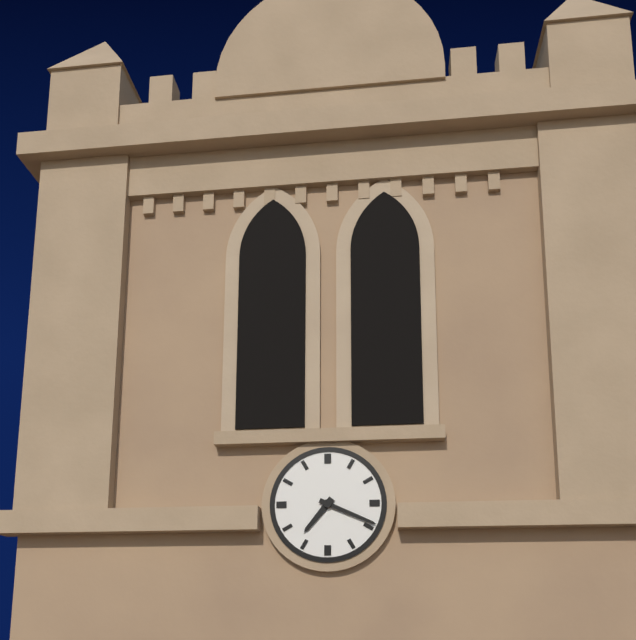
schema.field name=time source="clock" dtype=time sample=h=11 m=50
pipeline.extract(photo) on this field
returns h=7 m=19
